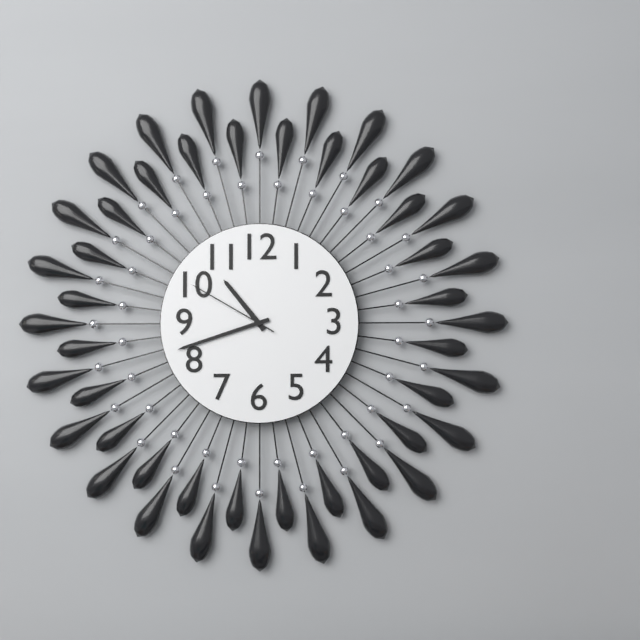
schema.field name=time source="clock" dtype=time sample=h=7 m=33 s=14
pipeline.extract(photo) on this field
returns h=10 m=42 s=50
